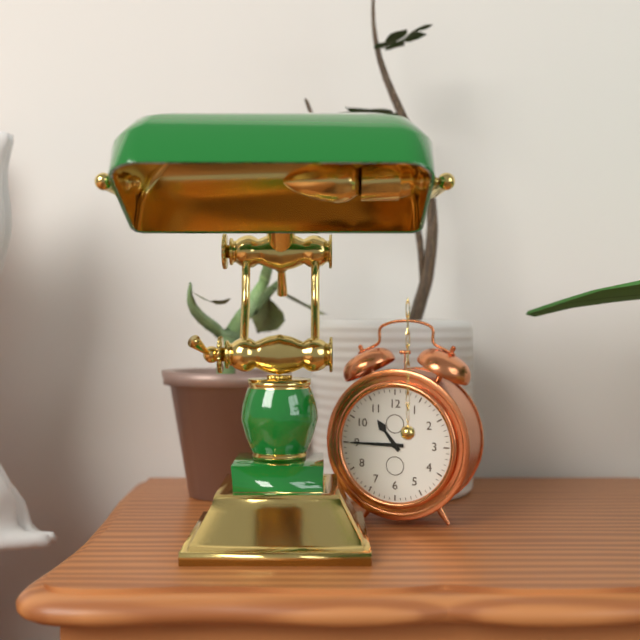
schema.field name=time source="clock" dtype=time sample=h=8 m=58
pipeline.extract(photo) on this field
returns h=10 m=45
